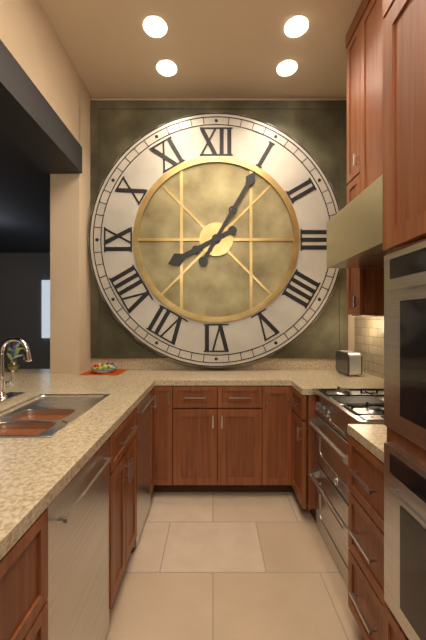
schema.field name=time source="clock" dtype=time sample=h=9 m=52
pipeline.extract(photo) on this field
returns h=8 m=5
